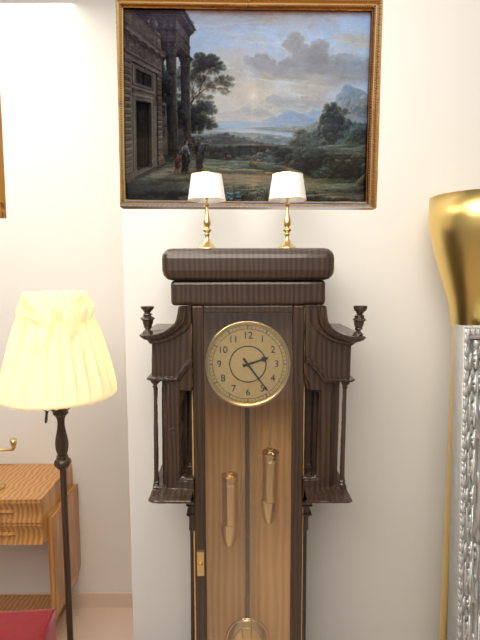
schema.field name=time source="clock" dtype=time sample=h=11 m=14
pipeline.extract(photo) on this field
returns h=2 m=24
